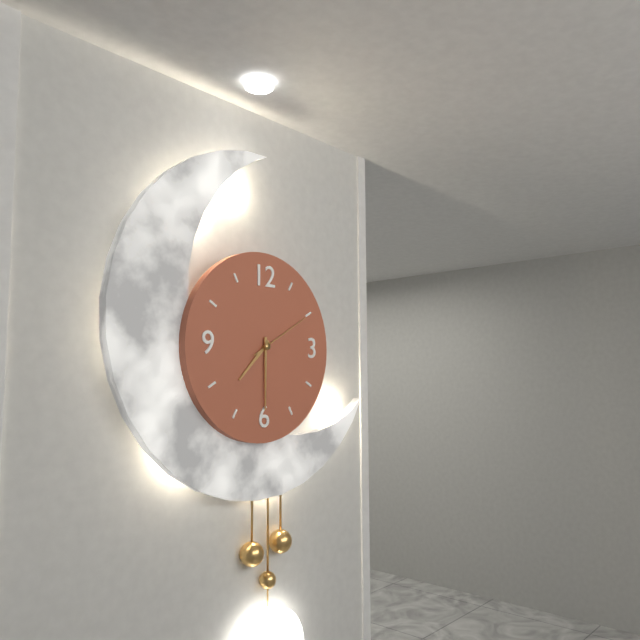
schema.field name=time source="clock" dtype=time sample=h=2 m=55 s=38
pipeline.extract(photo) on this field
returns h=7 m=30 s=10
